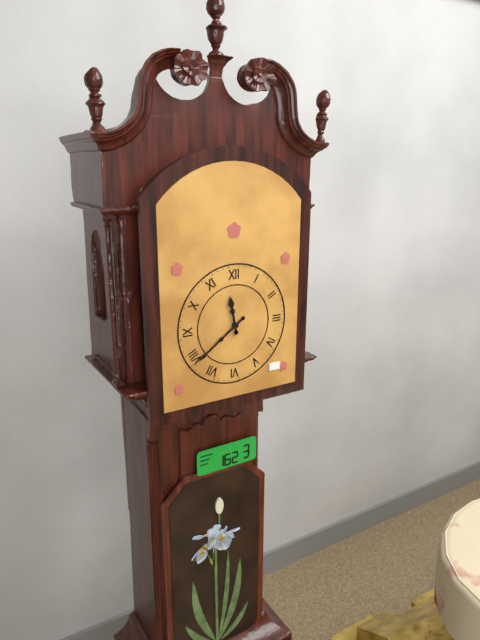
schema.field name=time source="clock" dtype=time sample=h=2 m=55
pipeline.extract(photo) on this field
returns h=11 m=39
